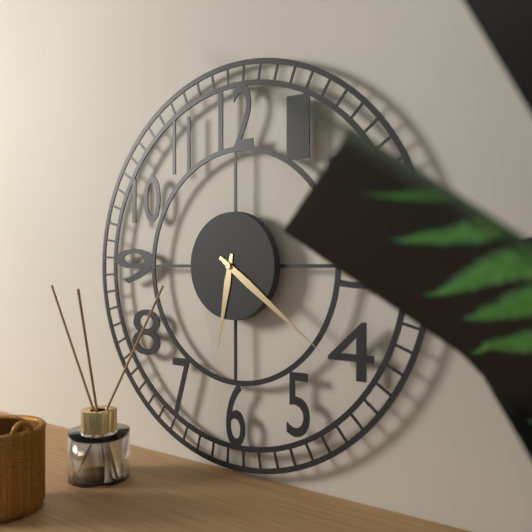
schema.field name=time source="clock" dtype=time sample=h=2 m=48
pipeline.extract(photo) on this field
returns h=6 m=21
